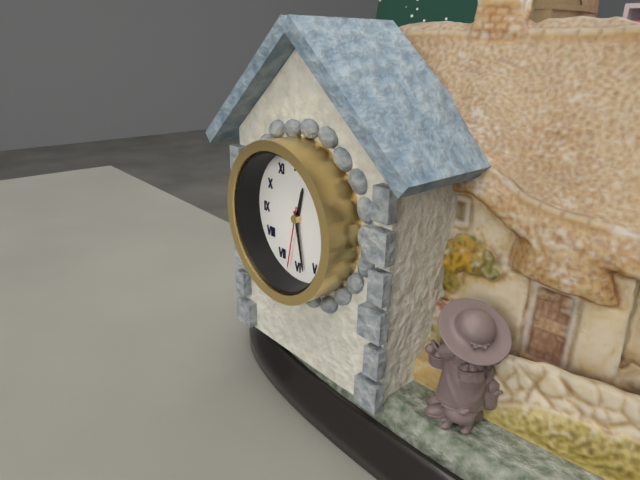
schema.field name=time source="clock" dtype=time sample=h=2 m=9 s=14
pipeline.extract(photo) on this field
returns h=12 m=28 s=32
